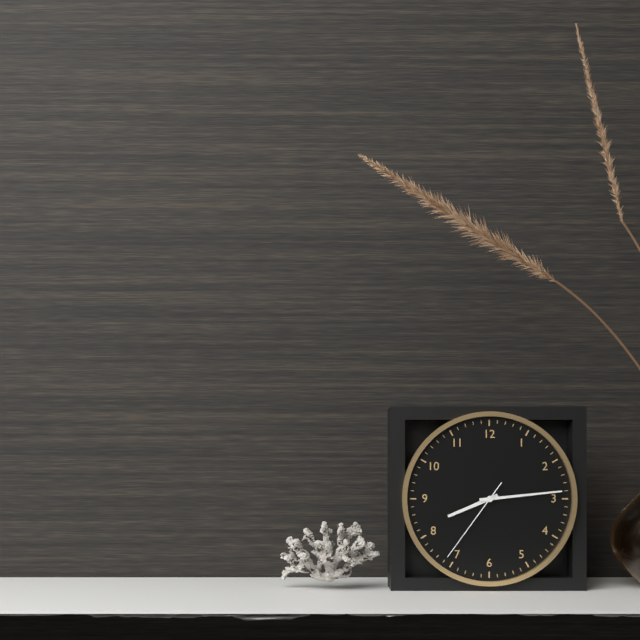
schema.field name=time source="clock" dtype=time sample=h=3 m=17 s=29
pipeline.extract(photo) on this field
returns h=8 m=14 s=36
